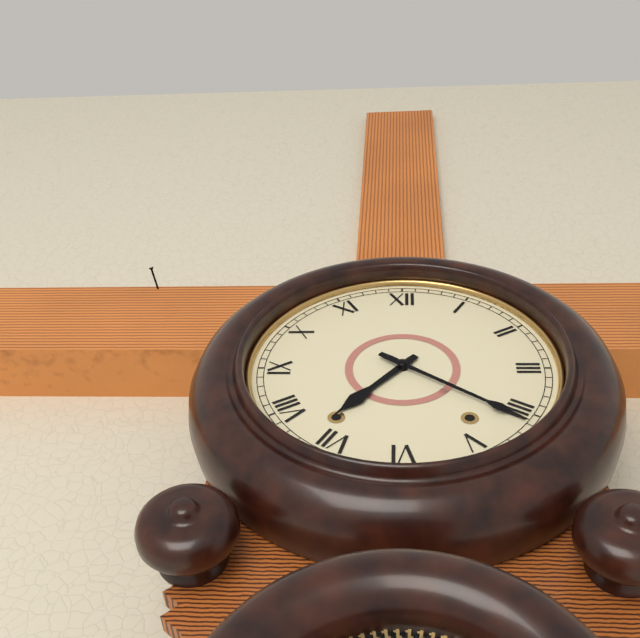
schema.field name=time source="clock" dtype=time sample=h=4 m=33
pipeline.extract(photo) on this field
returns h=7 m=21
